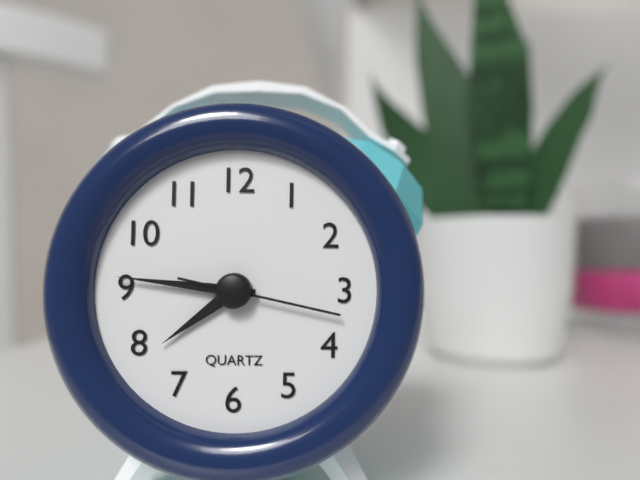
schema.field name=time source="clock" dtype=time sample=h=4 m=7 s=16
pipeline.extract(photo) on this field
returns h=7 m=46 s=17
